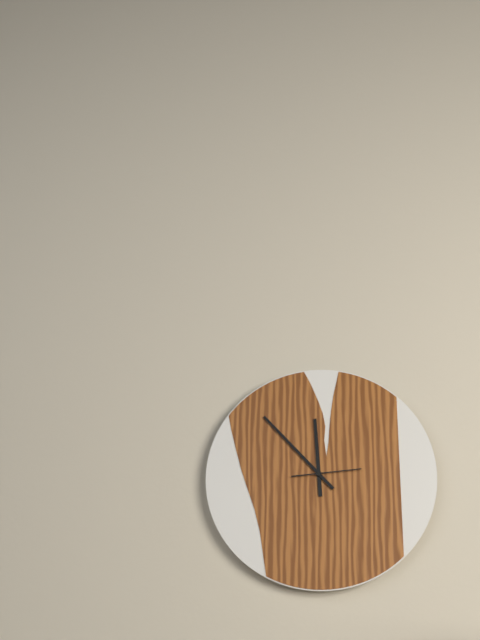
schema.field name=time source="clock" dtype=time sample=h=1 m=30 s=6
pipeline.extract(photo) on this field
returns h=11 m=53 s=14
